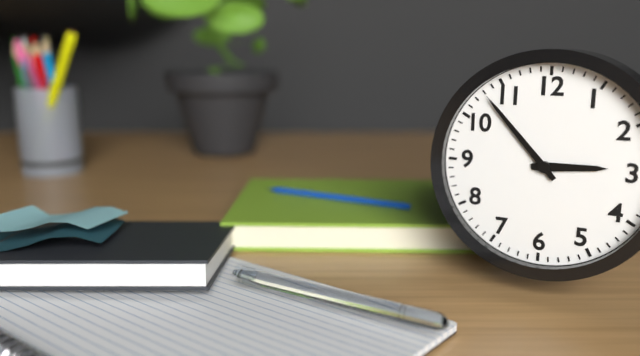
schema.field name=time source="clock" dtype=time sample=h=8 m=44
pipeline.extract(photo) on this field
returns h=2 m=53
